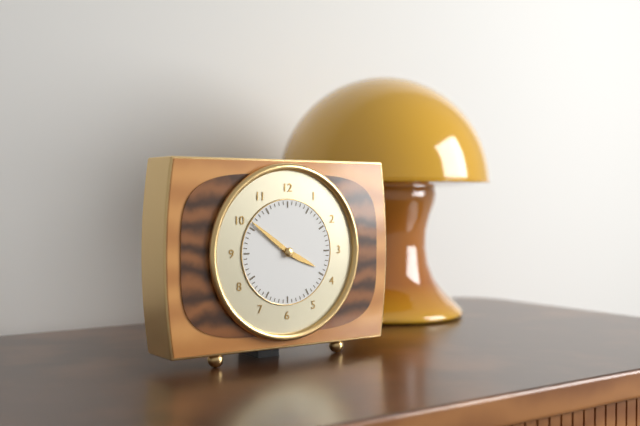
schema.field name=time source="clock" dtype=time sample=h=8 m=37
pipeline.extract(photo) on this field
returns h=3 m=51
